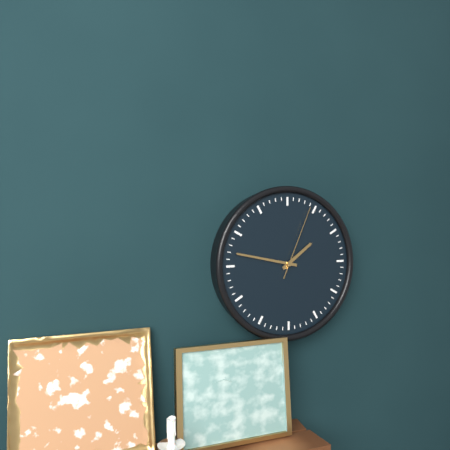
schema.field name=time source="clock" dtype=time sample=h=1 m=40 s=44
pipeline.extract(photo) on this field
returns h=1 m=47 s=4
